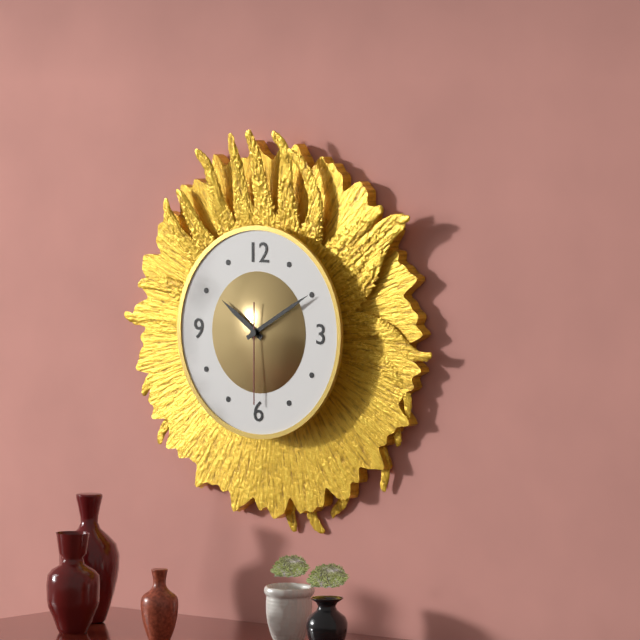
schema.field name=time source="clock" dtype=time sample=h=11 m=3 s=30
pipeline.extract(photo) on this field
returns h=10 m=10 s=30
